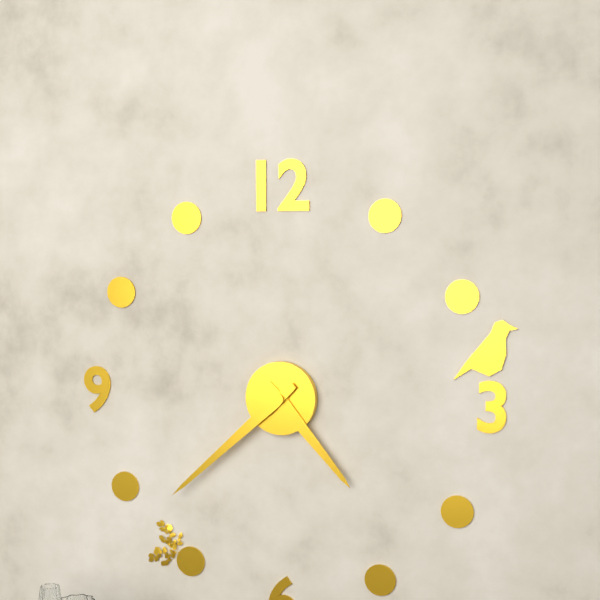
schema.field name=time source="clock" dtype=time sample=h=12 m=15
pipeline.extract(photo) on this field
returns h=4 m=38
